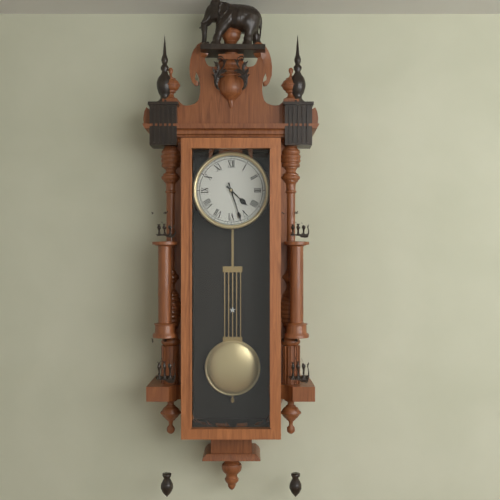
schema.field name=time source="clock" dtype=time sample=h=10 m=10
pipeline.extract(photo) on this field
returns h=4 m=27
